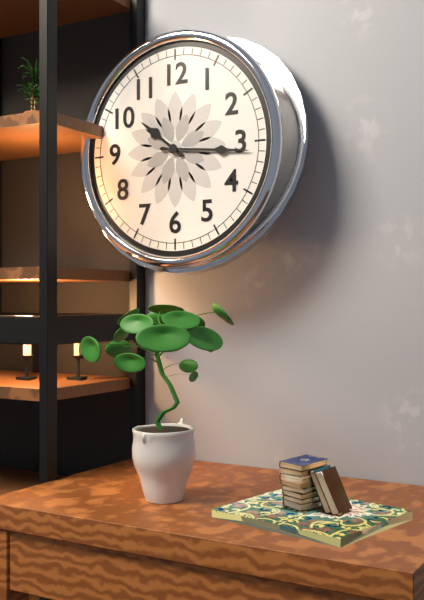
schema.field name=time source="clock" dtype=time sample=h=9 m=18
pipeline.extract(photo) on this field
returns h=10 m=16
